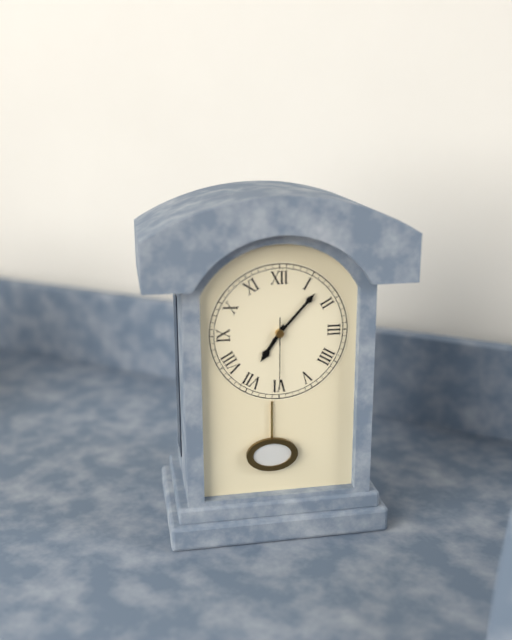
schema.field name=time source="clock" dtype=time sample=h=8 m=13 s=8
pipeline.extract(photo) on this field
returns h=7 m=7 s=30
